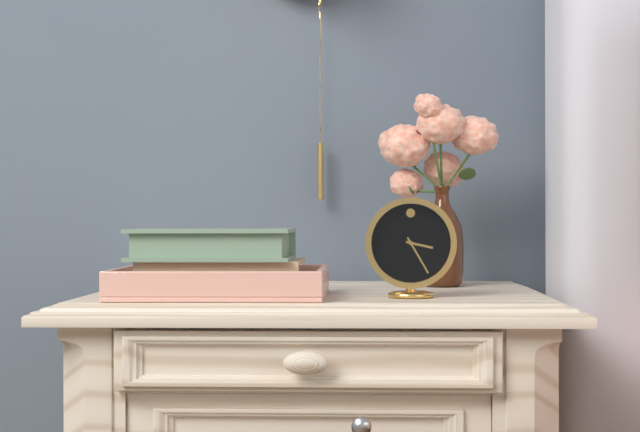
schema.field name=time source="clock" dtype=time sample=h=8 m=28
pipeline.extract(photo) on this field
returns h=3 m=25
